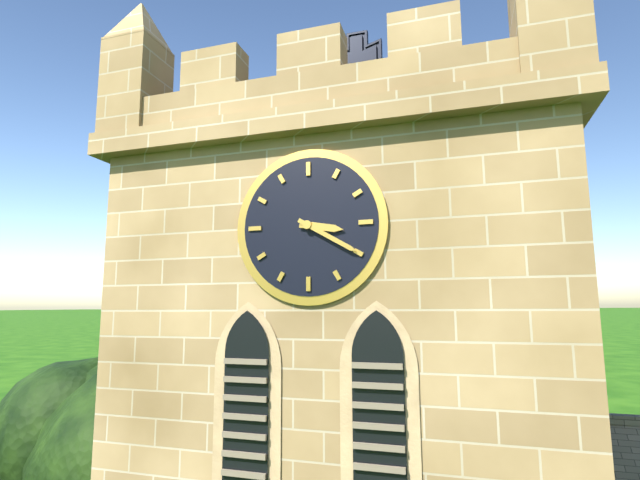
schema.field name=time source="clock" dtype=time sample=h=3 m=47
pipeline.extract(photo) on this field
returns h=3 m=20
